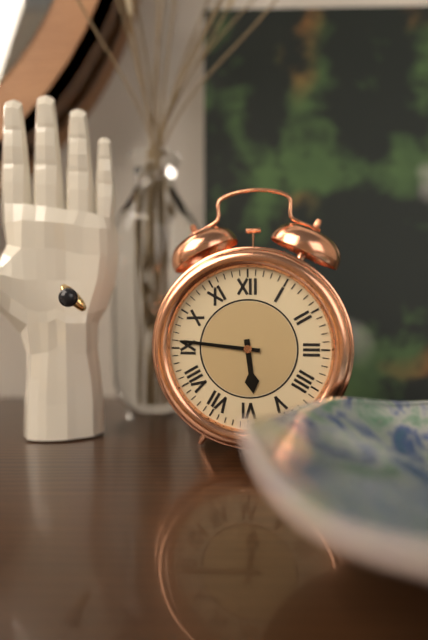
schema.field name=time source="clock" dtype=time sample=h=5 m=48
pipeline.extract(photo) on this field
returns h=5 m=46
